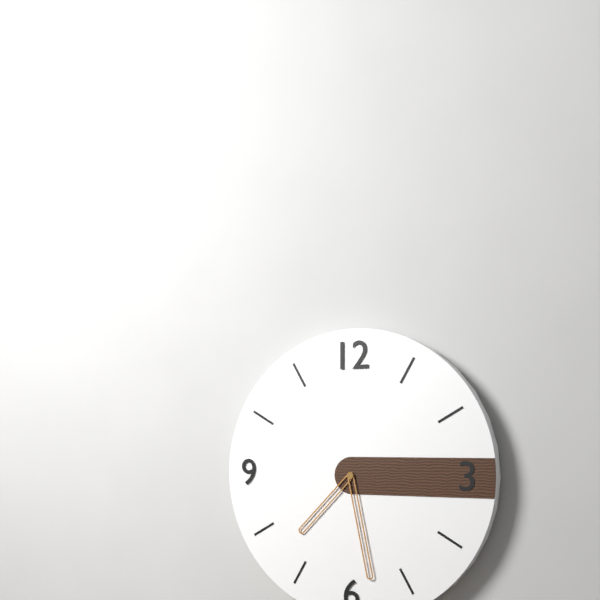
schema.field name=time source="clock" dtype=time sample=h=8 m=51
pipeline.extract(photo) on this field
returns h=7 m=28
